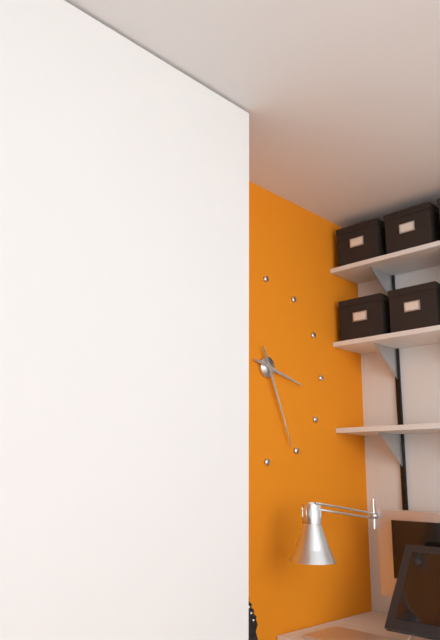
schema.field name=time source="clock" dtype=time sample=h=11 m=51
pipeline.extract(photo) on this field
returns h=3 m=26
